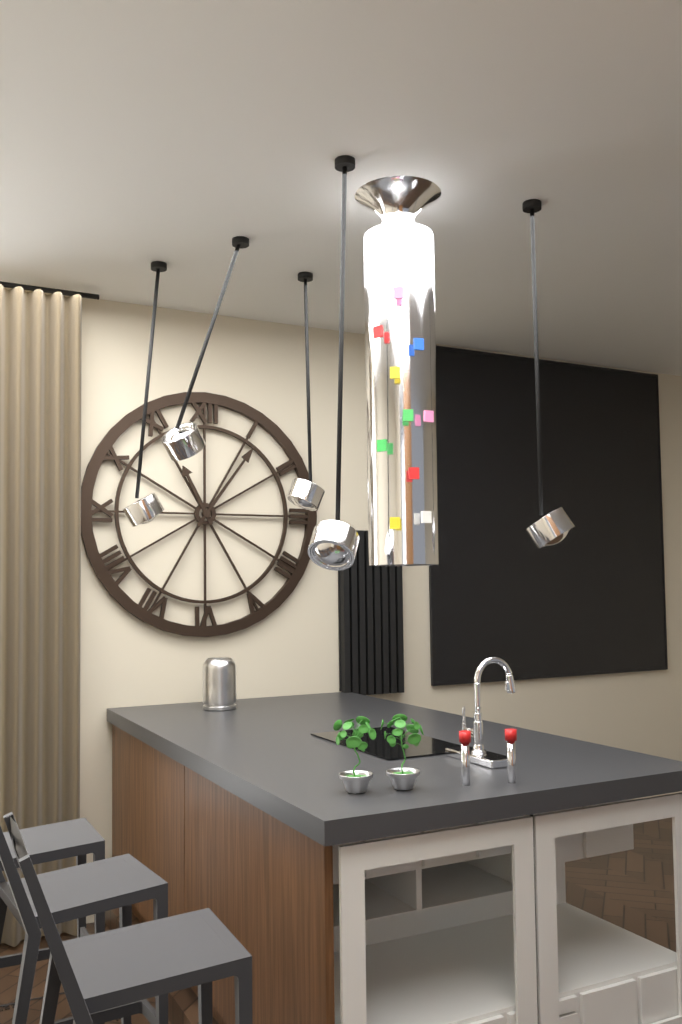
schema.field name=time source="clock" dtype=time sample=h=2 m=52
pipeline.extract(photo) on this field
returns h=11 m=6
